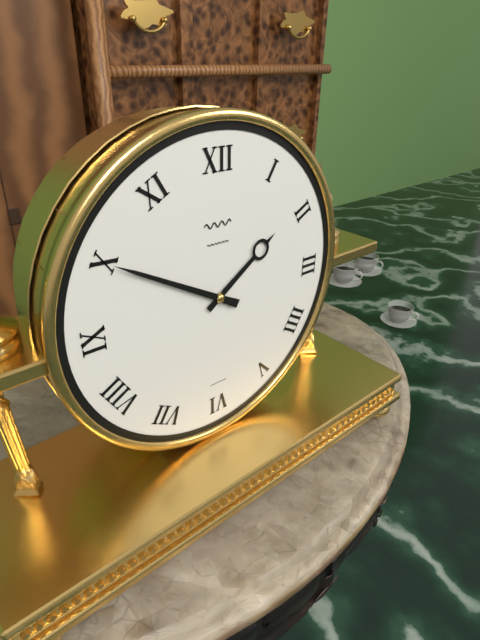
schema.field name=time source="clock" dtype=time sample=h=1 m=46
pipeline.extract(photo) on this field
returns h=1 m=50
